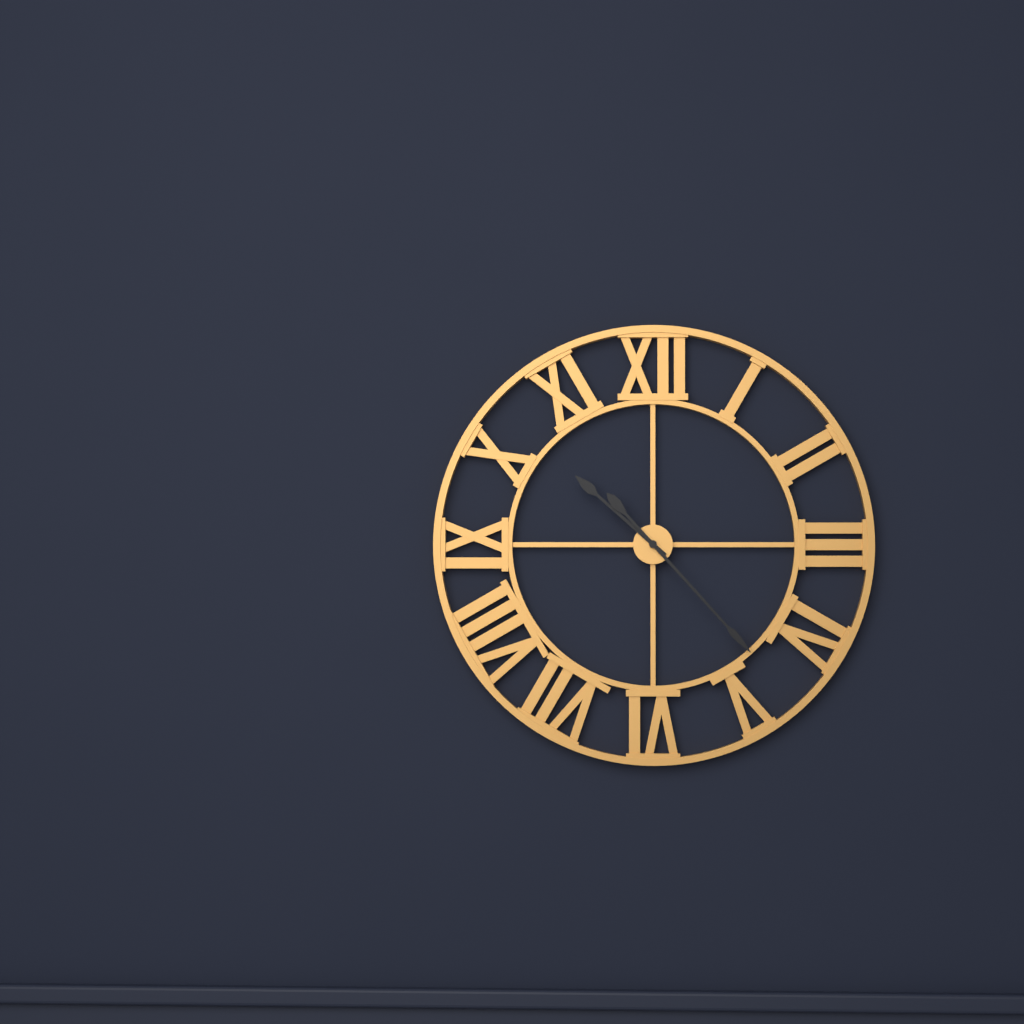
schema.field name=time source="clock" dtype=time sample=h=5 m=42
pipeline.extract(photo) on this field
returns h=10 m=23
